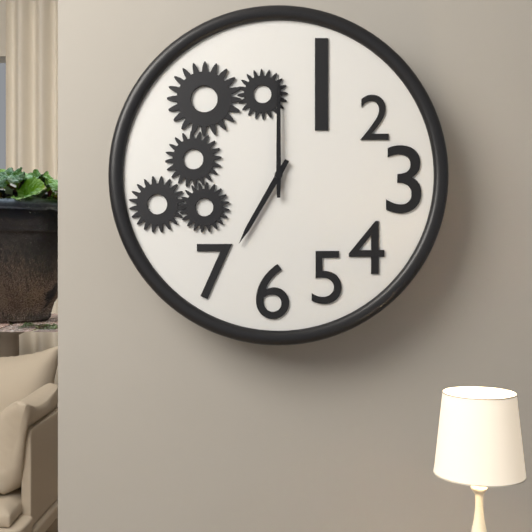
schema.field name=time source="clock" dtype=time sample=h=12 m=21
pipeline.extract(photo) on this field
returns h=7 m=0
